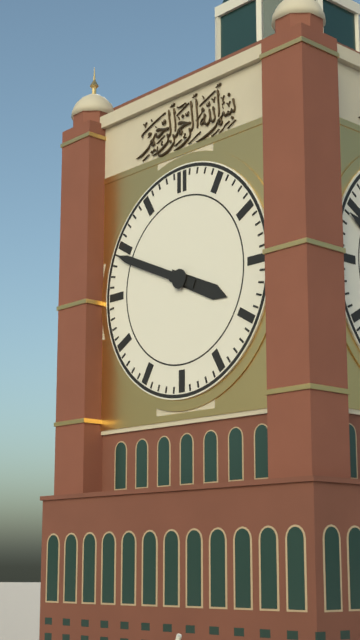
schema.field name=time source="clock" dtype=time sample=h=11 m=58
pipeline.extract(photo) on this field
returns h=3 m=49
